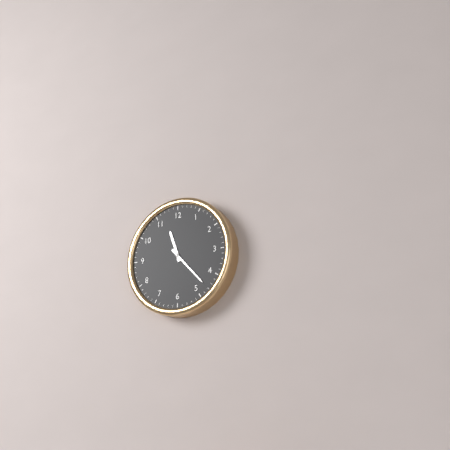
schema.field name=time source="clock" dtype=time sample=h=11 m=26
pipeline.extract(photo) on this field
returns h=11 m=23
